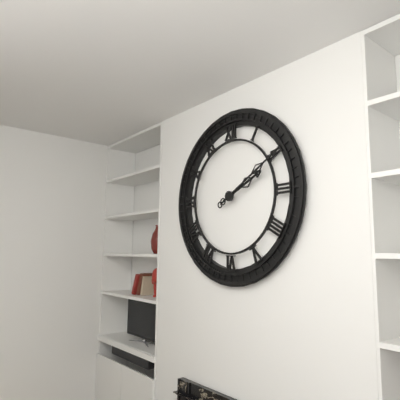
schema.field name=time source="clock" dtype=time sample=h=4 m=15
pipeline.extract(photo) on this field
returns h=2 m=10
